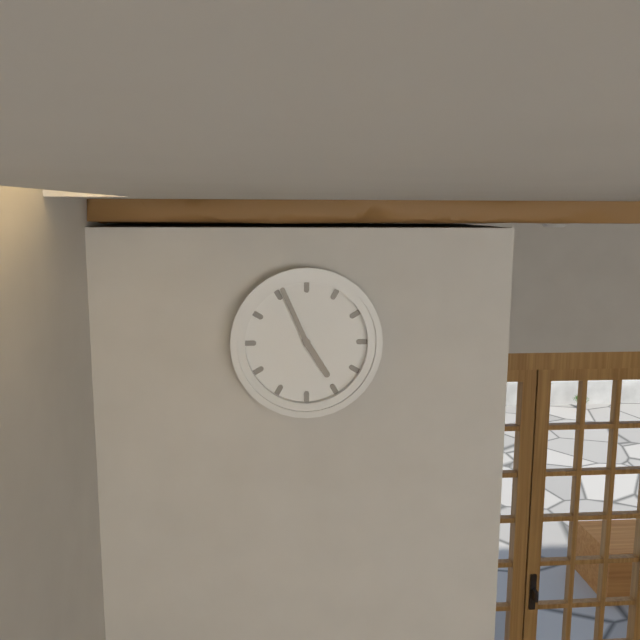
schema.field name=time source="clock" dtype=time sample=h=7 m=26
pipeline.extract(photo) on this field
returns h=4 m=56
